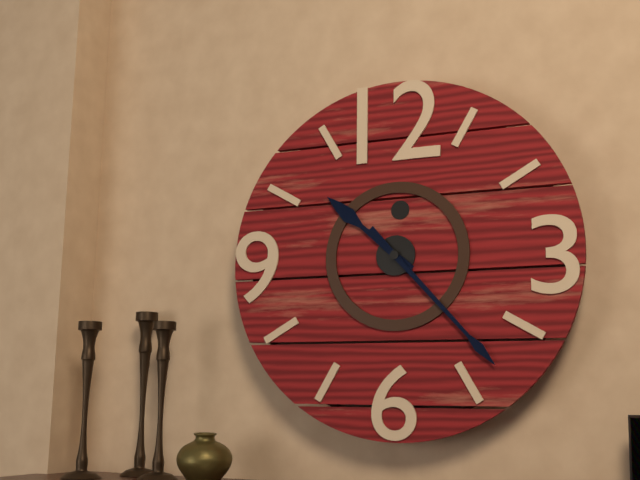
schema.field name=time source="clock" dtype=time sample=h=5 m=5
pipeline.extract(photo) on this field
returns h=10 m=23
